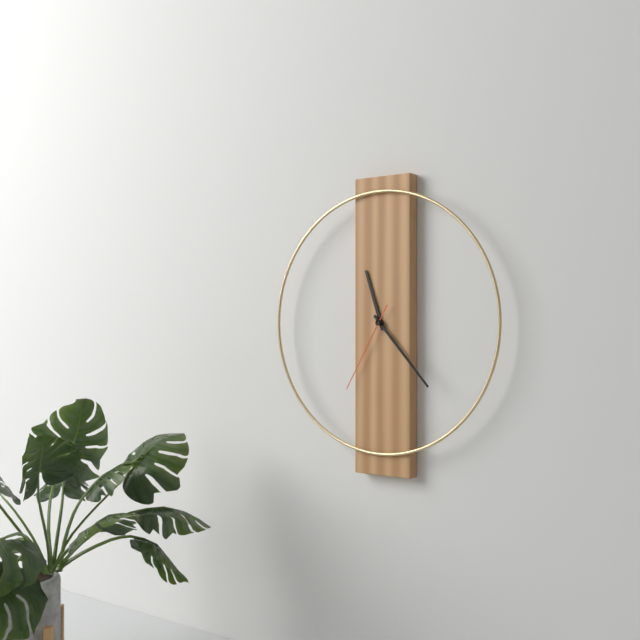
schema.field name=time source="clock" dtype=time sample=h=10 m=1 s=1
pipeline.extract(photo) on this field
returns h=11 m=23 s=35
